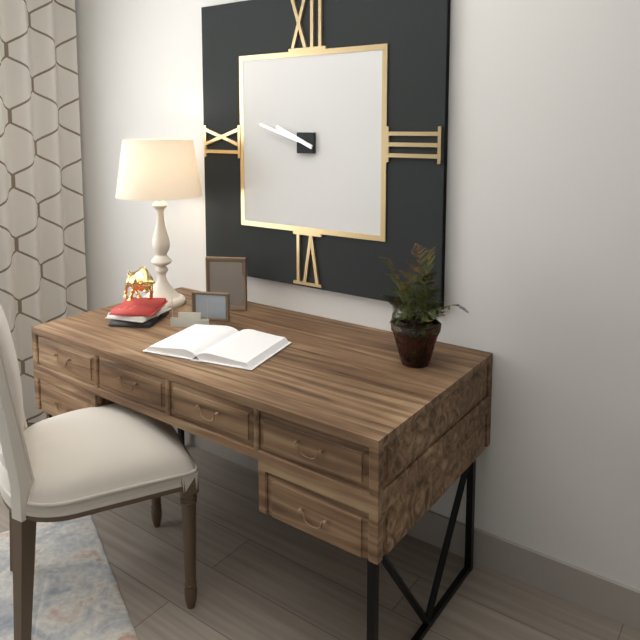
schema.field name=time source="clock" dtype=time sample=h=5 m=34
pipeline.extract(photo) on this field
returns h=9 m=48
